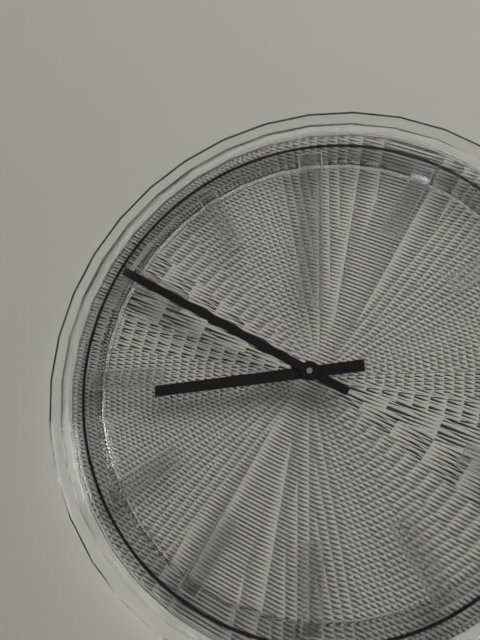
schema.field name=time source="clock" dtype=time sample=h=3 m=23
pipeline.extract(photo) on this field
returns h=8 m=50
